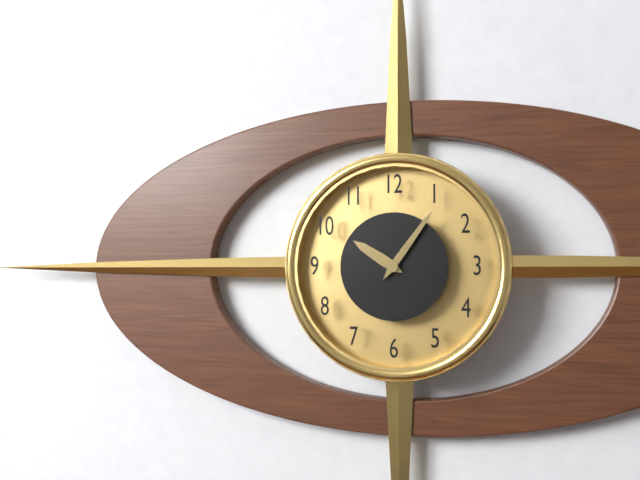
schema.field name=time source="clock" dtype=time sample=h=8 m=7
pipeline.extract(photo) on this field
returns h=10 m=6
